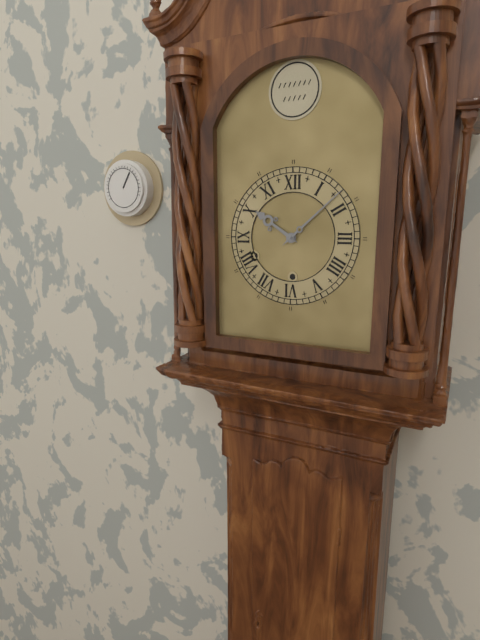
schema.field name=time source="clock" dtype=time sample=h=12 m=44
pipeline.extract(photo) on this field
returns h=10 m=8
